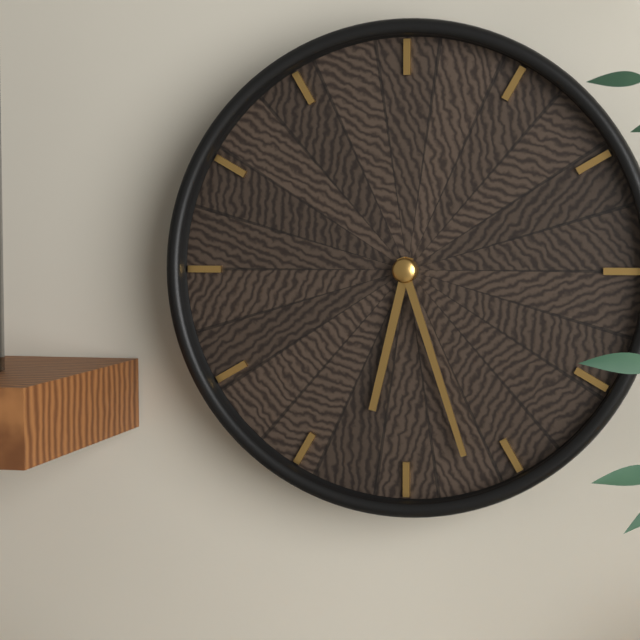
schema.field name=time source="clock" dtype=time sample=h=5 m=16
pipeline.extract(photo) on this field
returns h=6 m=27
